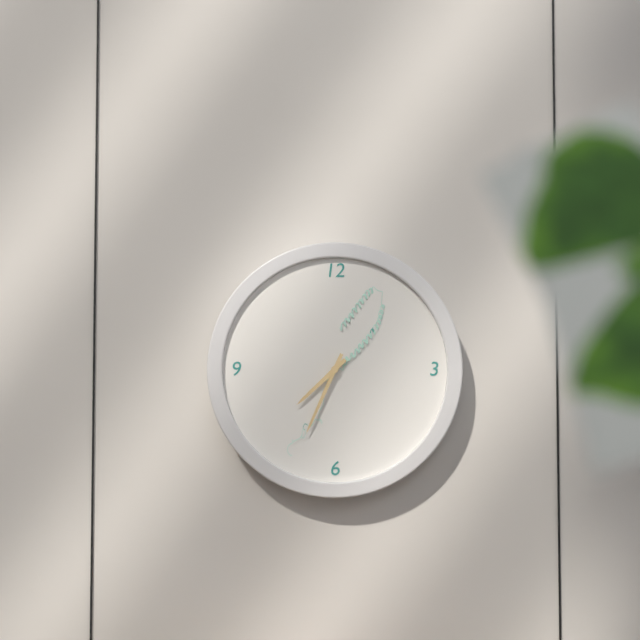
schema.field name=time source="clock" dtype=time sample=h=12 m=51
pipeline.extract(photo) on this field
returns h=7 m=34
